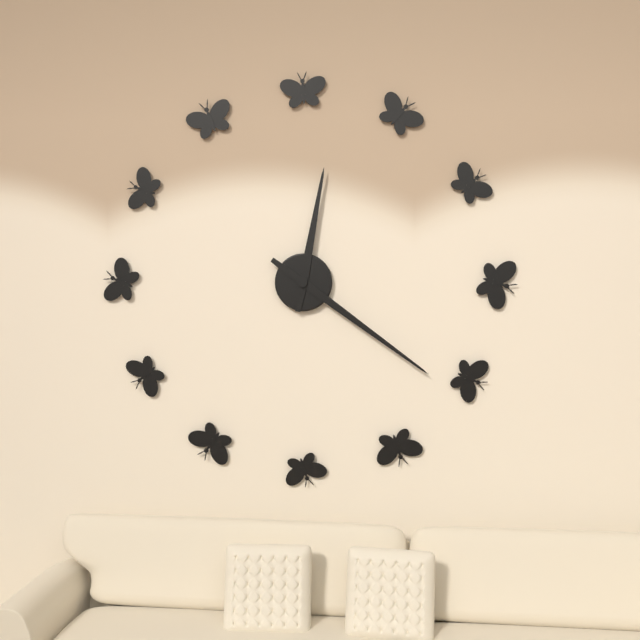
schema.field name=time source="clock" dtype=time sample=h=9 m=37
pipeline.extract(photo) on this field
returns h=12 m=21
